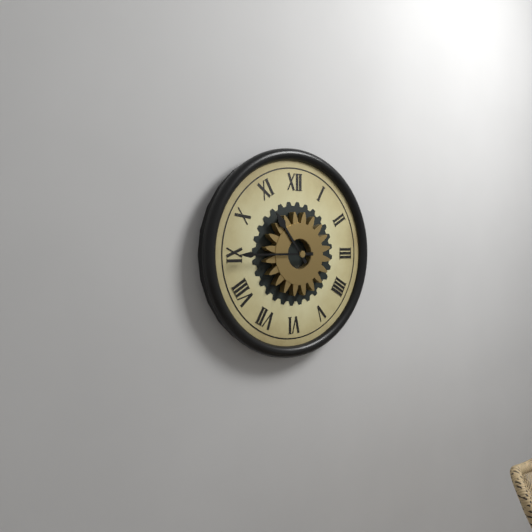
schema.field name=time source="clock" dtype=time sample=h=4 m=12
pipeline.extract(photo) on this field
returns h=10 m=45
